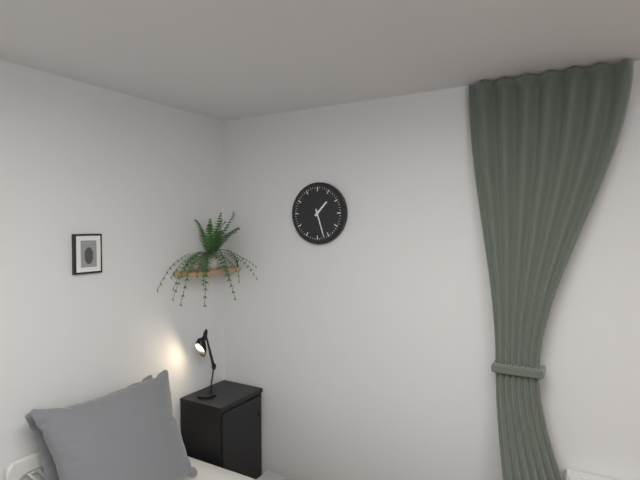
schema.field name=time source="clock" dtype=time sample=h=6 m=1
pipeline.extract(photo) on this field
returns h=1 m=27
